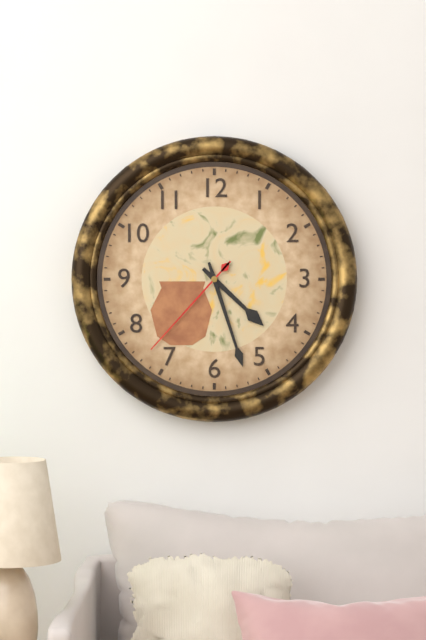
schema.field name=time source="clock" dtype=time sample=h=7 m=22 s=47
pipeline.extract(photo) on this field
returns h=4 m=27 s=37
